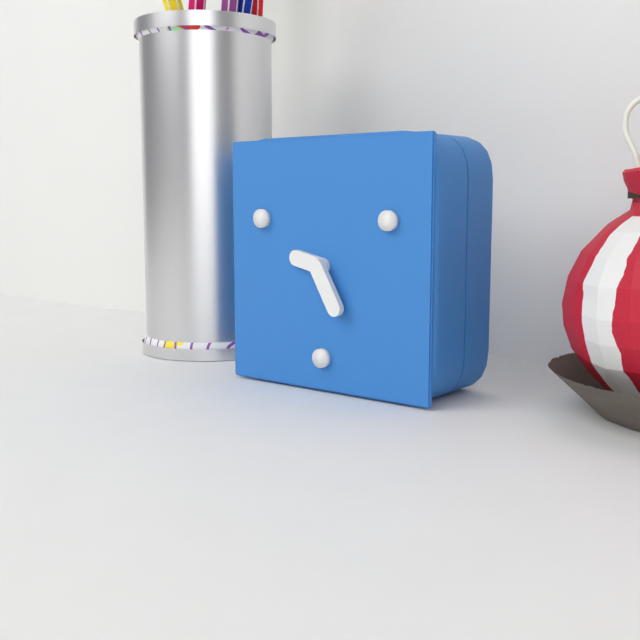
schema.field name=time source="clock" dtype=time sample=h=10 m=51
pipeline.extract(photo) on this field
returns h=9 m=25
